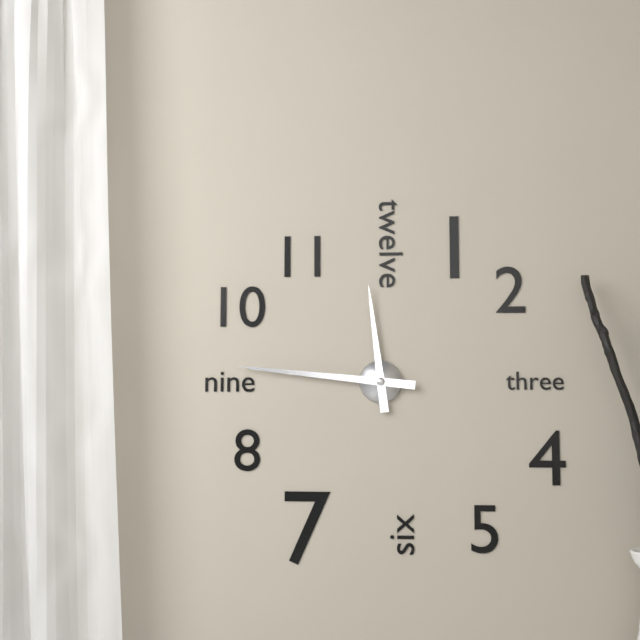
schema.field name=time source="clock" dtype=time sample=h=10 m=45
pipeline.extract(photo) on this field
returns h=11 m=46
